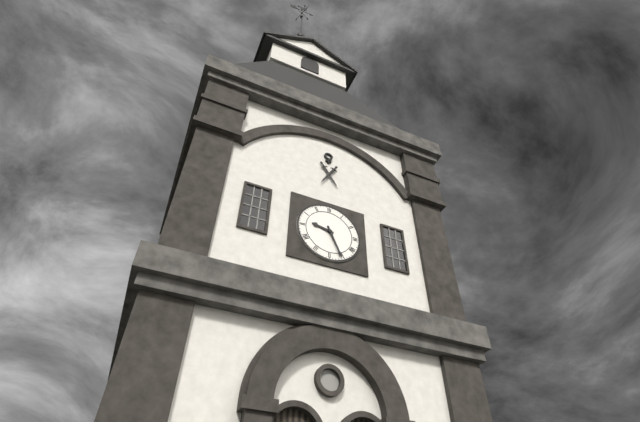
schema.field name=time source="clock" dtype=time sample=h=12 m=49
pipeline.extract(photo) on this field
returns h=9 m=26
